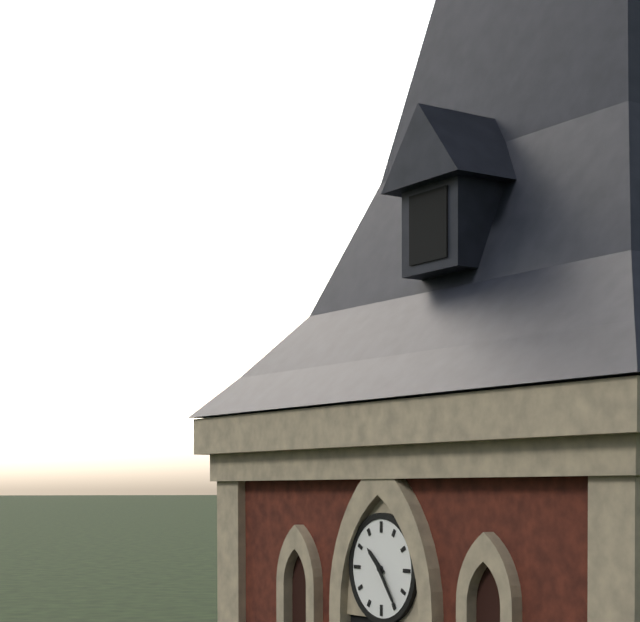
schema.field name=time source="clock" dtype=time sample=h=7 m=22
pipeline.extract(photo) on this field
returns h=10 m=24
